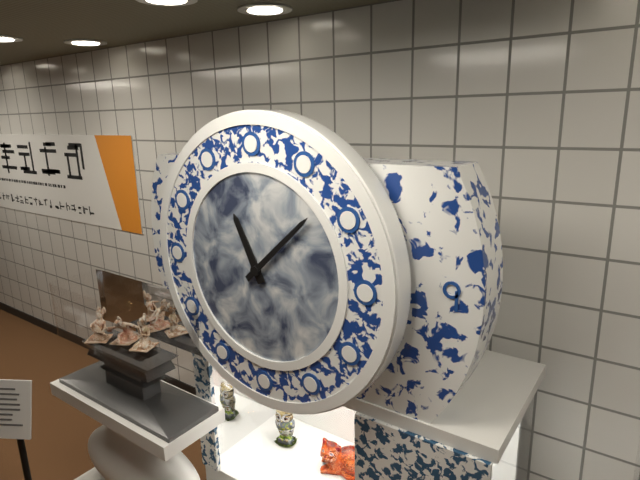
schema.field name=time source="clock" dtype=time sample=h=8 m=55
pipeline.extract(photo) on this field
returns h=11 m=8
